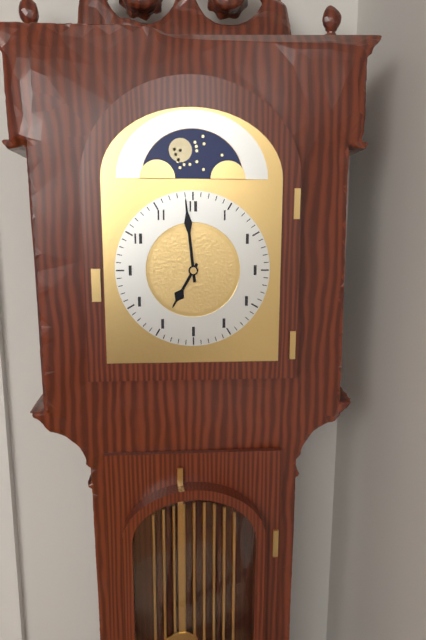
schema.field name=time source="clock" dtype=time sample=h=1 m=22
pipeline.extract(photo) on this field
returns h=6 m=59
